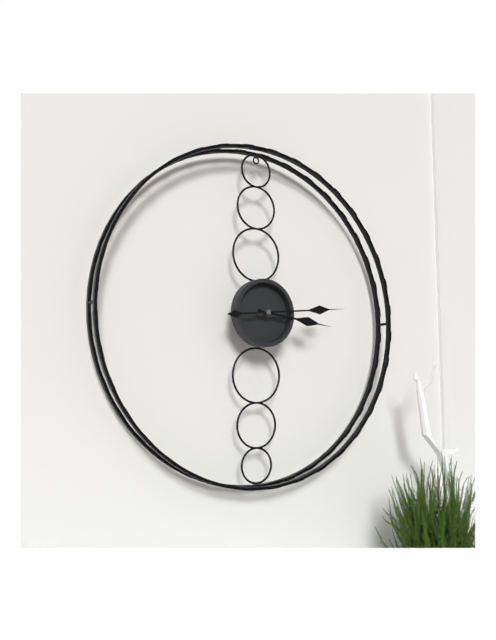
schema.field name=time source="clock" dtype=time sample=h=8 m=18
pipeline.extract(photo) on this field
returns h=3 m=14
